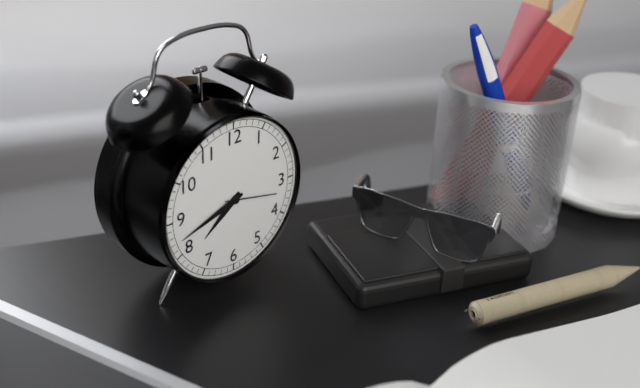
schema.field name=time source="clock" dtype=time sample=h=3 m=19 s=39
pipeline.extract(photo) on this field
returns h=7 m=42 s=17
